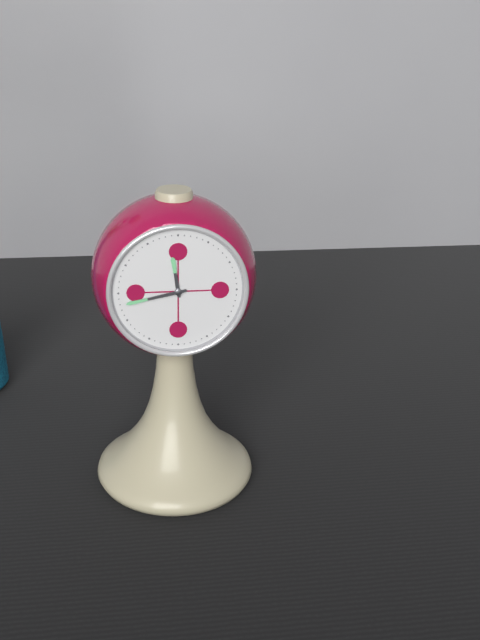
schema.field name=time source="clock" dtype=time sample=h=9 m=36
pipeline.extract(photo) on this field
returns h=11 m=43
